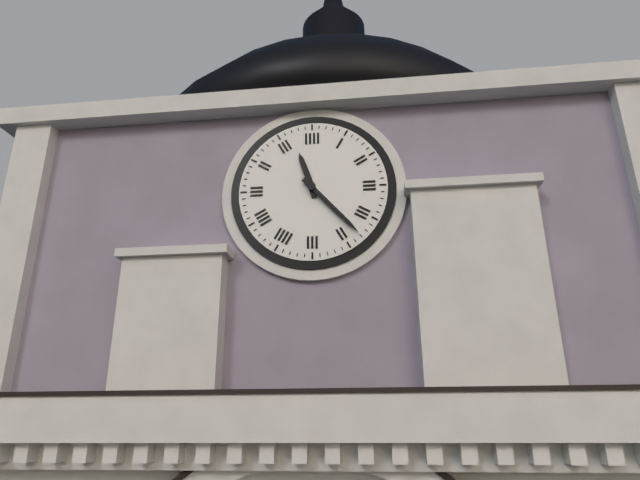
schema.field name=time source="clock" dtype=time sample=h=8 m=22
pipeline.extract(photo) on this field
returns h=11 m=23
